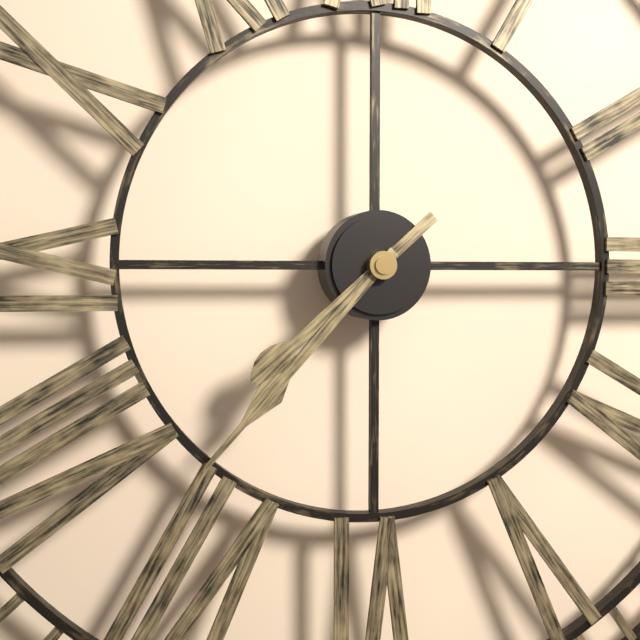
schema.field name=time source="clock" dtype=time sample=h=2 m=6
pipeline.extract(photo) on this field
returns h=7 m=37
